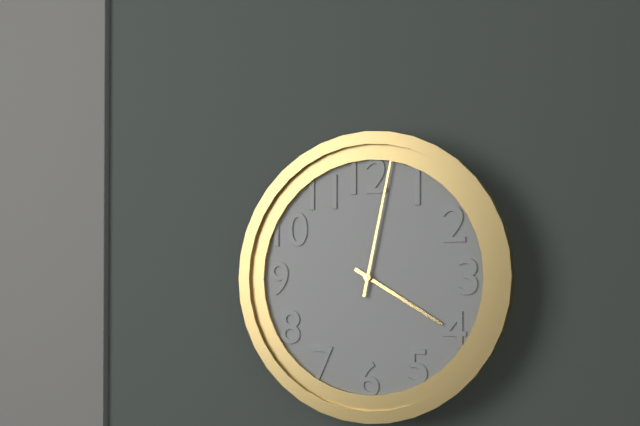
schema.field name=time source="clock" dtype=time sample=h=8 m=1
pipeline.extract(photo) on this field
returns h=4 m=2
